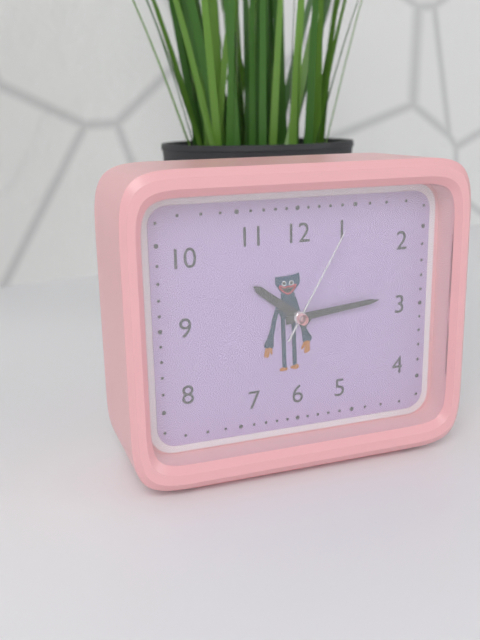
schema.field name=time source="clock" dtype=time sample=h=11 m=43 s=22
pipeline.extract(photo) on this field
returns h=10 m=14 s=5
